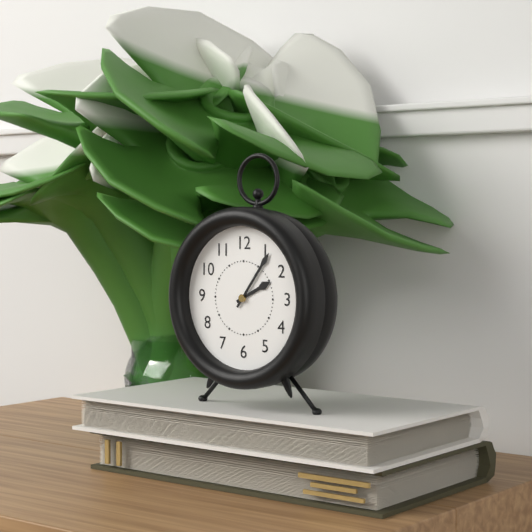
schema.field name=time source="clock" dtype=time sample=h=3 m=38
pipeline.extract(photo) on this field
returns h=2 m=6
